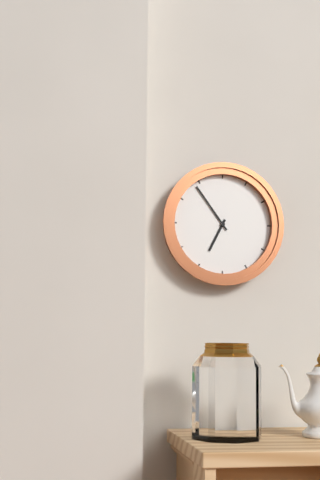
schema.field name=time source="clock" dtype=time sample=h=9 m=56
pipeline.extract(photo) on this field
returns h=6 m=54
